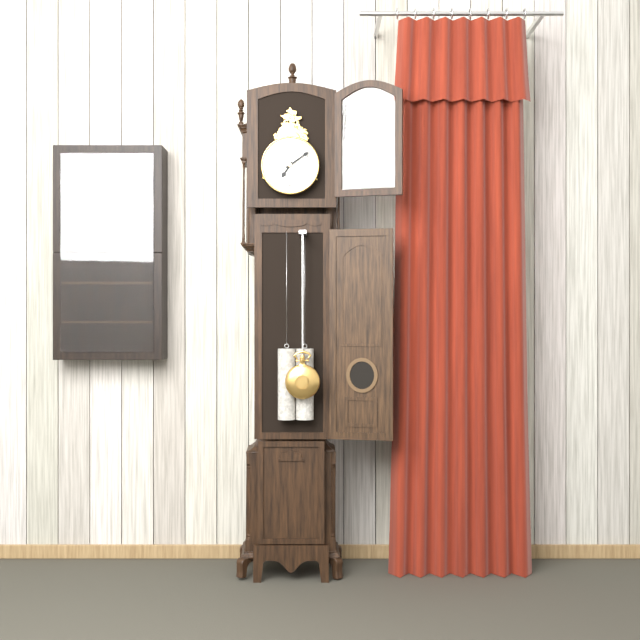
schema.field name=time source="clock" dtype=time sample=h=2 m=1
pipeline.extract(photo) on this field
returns h=7 m=9
